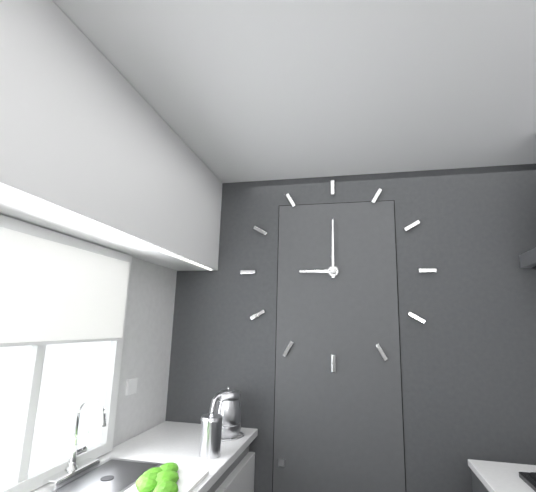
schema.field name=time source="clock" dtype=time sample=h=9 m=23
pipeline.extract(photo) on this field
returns h=9 m=0
